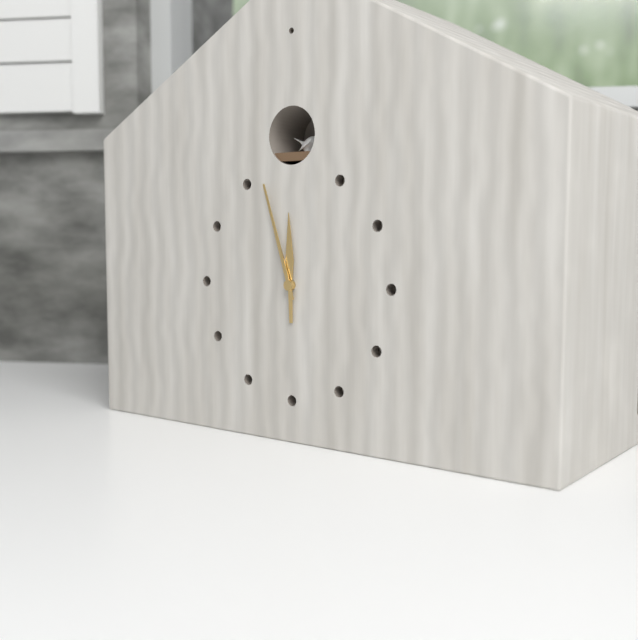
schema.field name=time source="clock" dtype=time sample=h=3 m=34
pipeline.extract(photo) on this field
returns h=11 m=57
